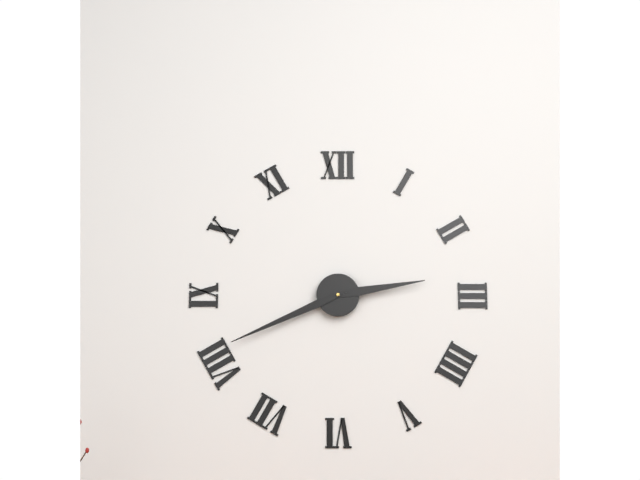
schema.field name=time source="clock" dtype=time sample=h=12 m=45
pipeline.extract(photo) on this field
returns h=2 m=41
